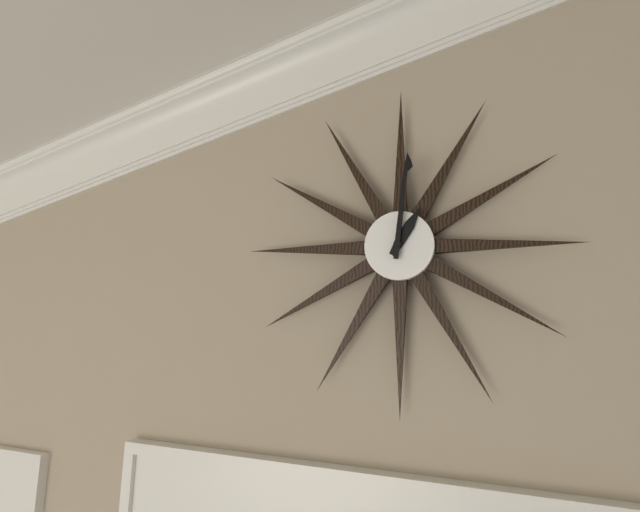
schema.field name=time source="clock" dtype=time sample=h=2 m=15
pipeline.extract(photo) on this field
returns h=1 m=1
